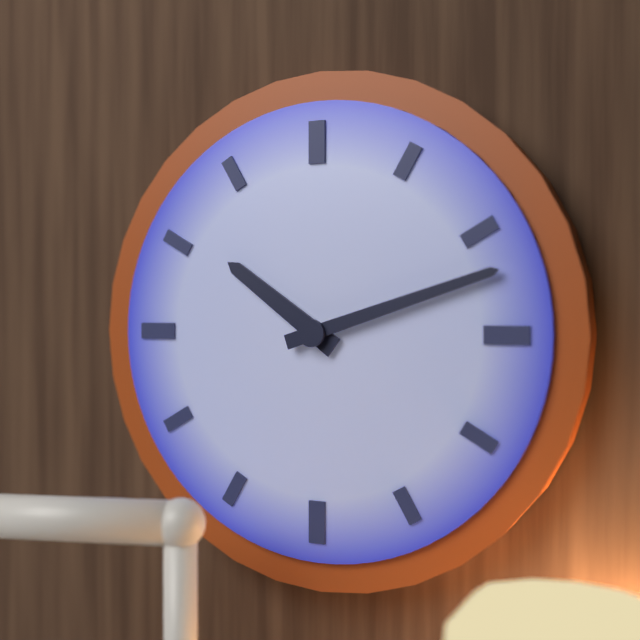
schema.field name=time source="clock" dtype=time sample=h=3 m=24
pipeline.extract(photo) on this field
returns h=10 m=12
